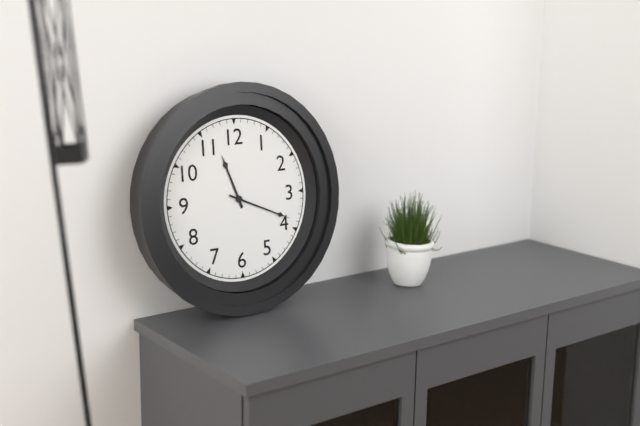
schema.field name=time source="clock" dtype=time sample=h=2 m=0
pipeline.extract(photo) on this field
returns h=11 m=19
